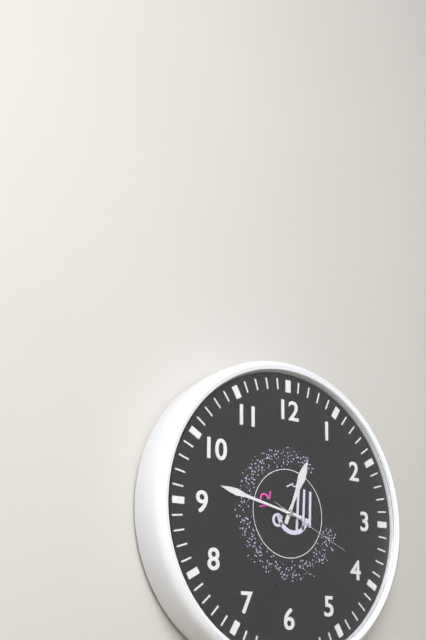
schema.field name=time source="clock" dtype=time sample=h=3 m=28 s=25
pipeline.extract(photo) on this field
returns h=12 m=47 s=19
